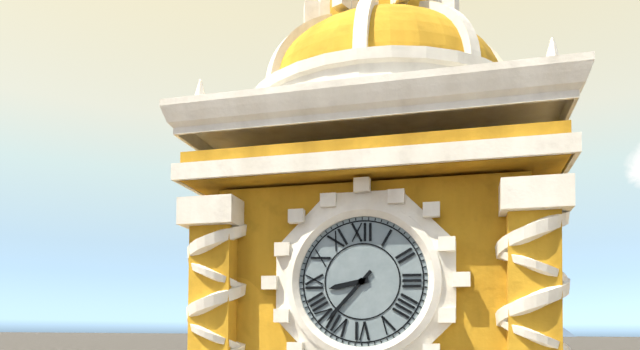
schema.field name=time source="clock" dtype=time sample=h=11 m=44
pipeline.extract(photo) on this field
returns h=8 m=37
